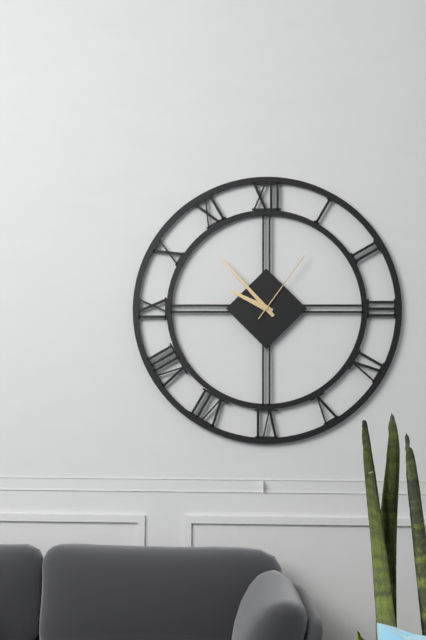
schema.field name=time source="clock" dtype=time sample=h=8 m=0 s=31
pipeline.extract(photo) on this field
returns h=9 m=53 s=6
